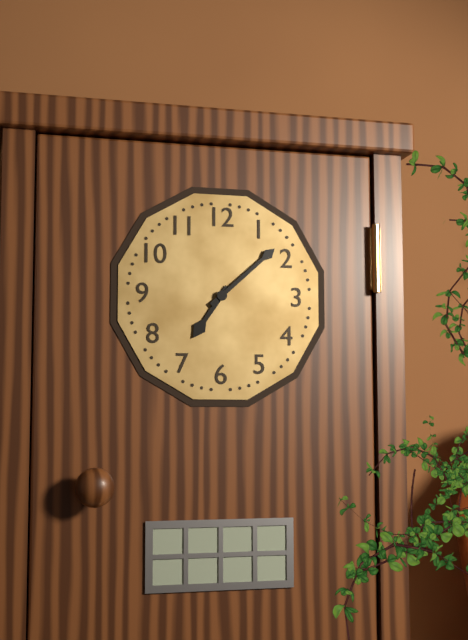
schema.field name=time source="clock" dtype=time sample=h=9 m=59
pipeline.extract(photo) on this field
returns h=7 m=8
